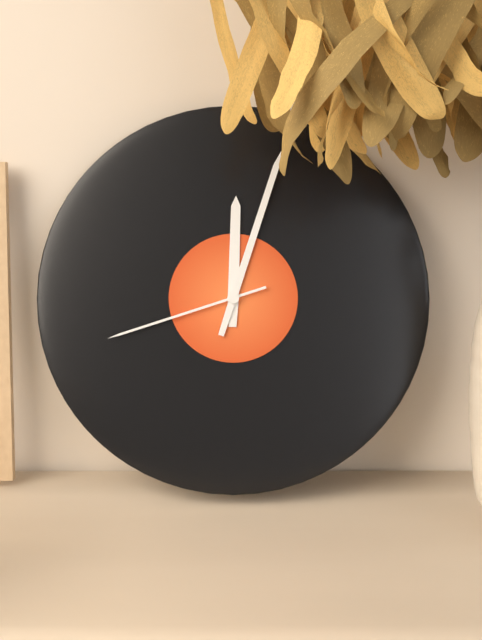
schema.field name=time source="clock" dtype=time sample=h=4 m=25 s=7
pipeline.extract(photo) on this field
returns h=12 m=3 s=42
